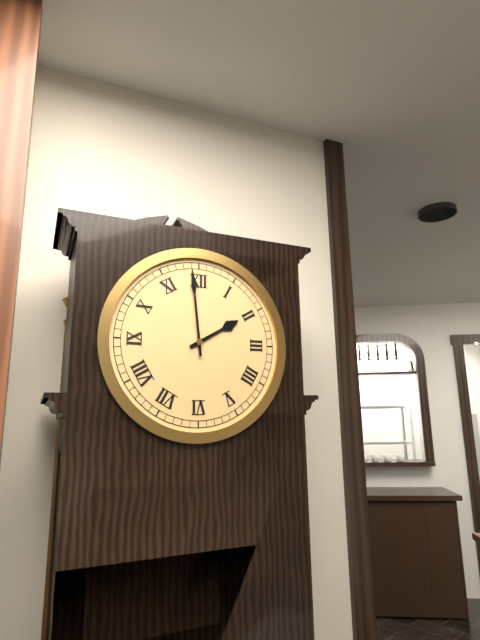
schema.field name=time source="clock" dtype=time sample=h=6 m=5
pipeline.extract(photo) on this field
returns h=1 m=59
